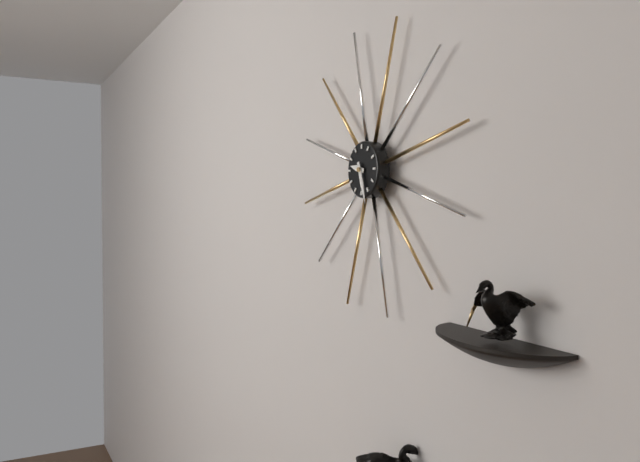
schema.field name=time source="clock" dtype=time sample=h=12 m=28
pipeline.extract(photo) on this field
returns h=9 m=27
